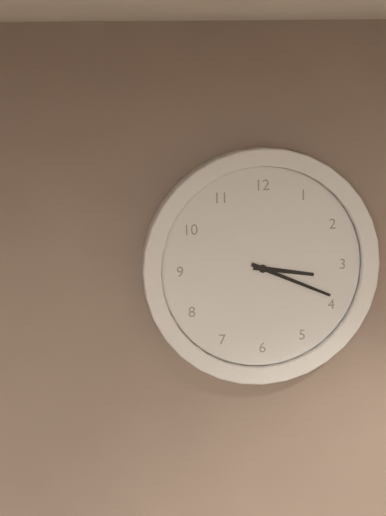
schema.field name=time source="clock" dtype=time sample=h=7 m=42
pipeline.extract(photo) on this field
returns h=3 m=19
